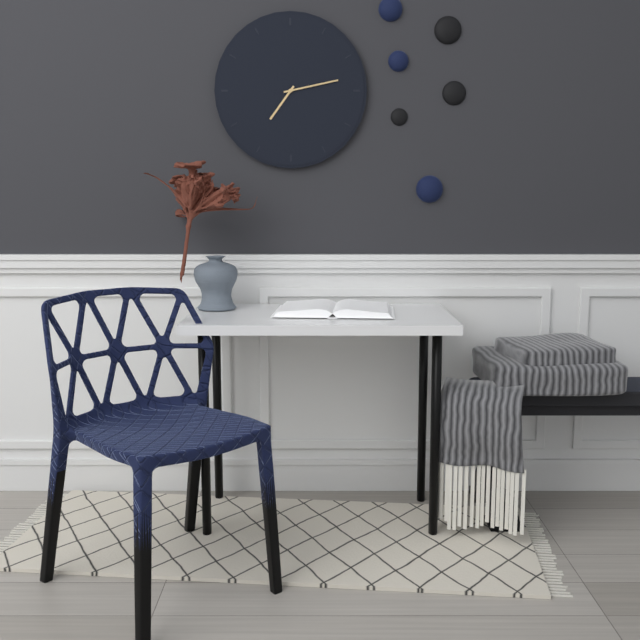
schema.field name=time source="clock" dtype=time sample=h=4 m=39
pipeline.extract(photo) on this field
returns h=7 m=13
